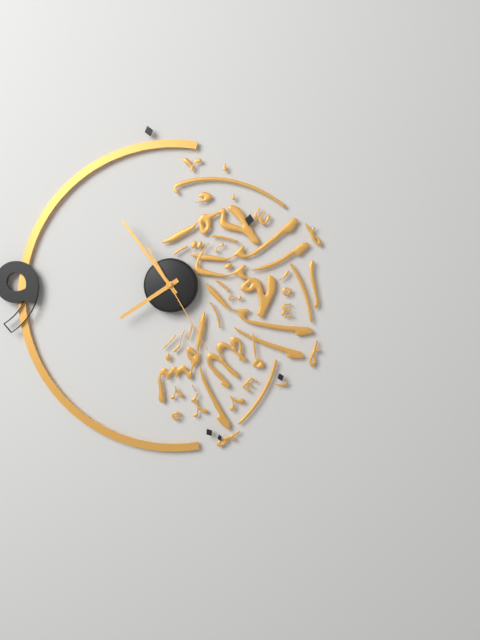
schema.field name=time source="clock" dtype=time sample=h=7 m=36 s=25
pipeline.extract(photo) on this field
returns h=7 m=54 s=25
